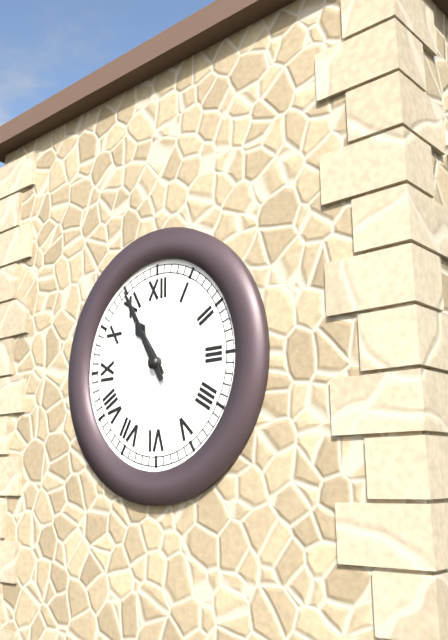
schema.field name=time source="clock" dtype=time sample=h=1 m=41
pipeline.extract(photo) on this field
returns h=10 m=55
